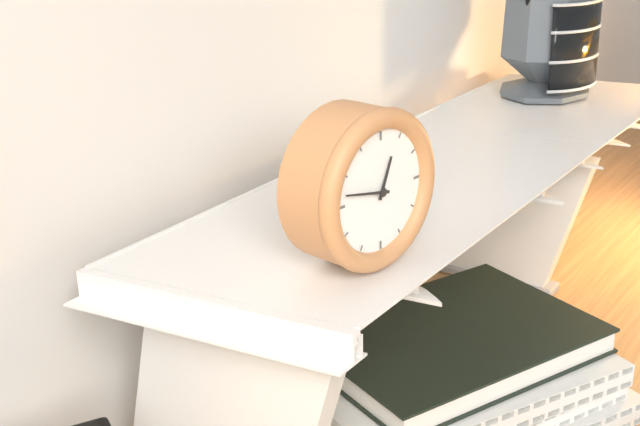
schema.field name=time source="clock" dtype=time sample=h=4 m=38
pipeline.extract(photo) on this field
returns h=12 m=47
